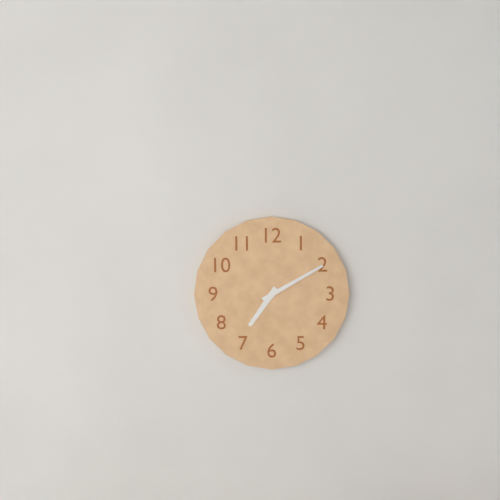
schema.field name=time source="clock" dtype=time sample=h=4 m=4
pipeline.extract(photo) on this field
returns h=7 m=10
